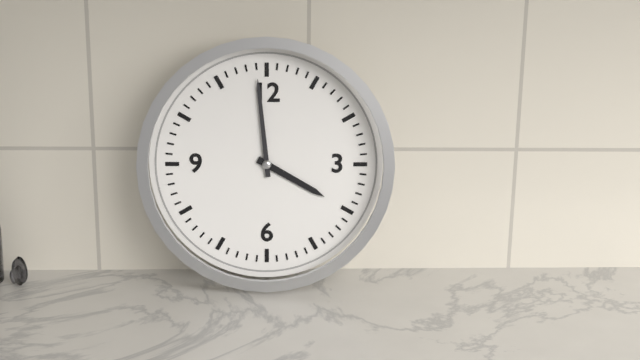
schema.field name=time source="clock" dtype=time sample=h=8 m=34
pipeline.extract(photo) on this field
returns h=3 m=59
